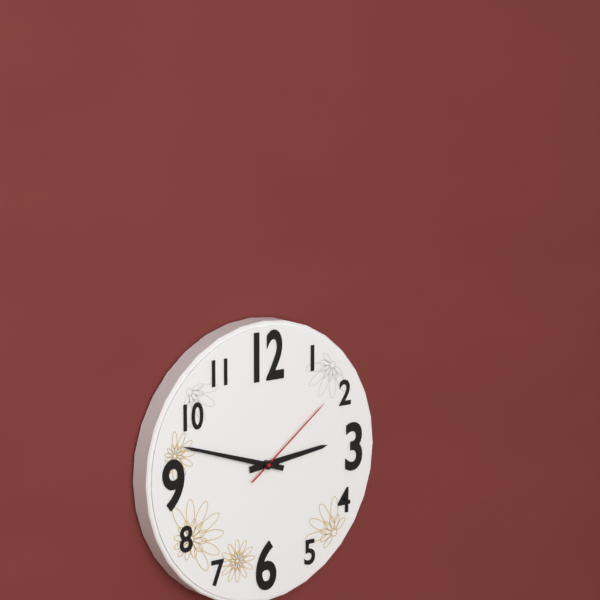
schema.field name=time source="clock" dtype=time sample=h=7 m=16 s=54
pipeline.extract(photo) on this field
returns h=2 m=48 s=9
